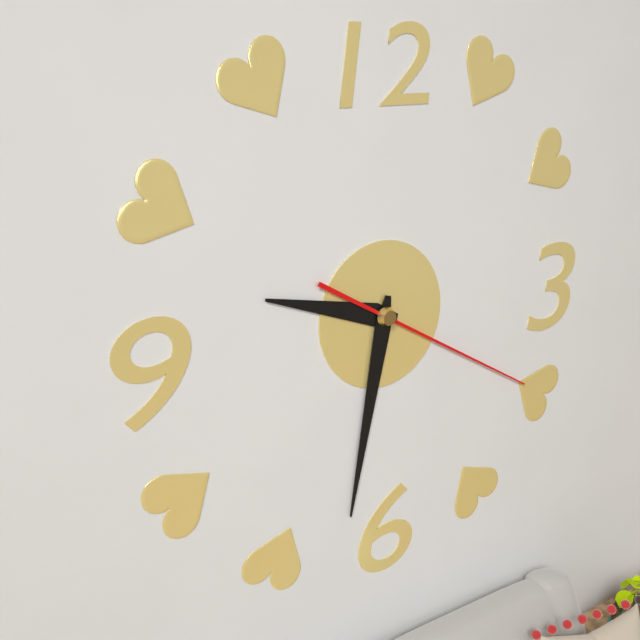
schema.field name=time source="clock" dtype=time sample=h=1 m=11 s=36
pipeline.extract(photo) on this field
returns h=9 m=32 s=20
